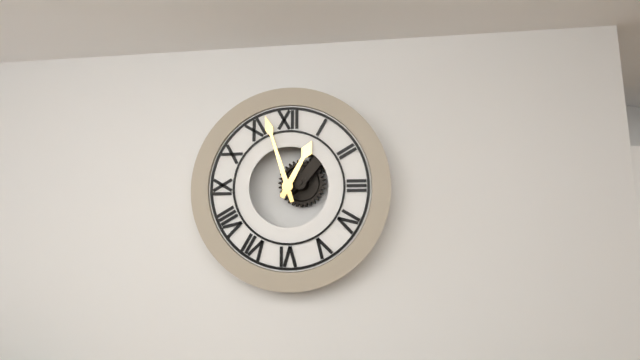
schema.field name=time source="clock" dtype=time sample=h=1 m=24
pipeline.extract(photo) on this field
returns h=12 m=57
